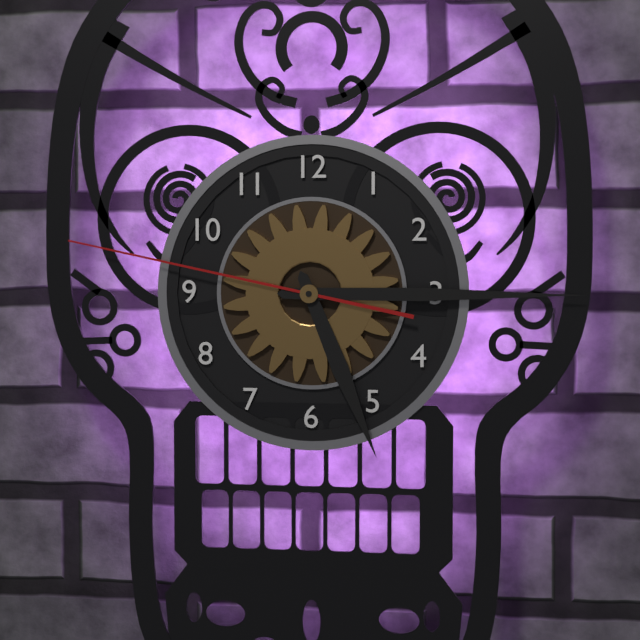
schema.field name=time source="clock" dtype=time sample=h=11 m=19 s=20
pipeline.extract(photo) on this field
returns h=5 m=15 s=47
